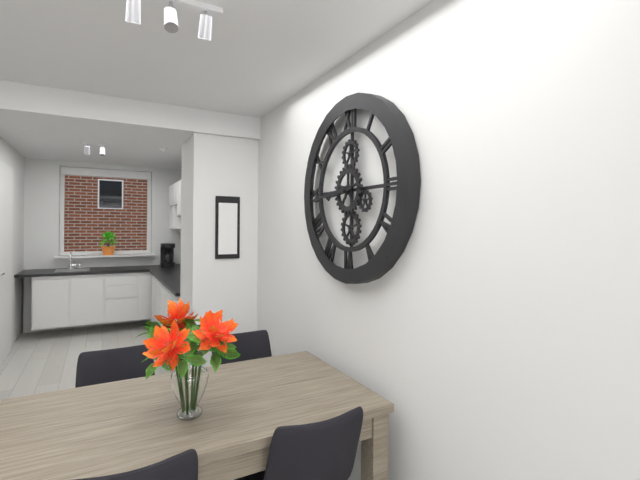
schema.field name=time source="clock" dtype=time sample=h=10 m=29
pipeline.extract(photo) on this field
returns h=8 m=44
